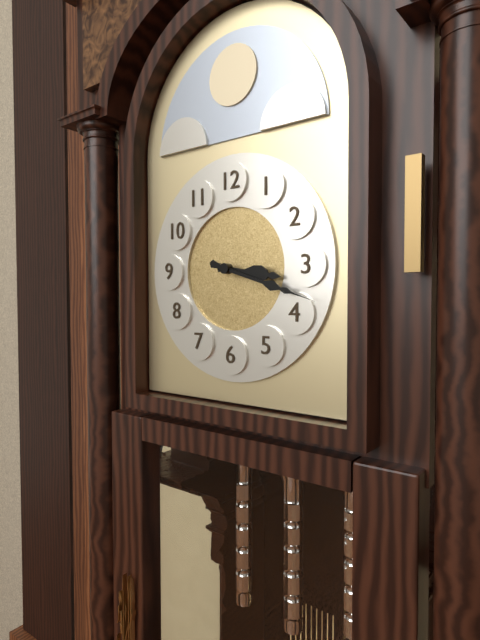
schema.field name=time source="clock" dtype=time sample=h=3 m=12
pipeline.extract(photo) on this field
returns h=3 m=18
